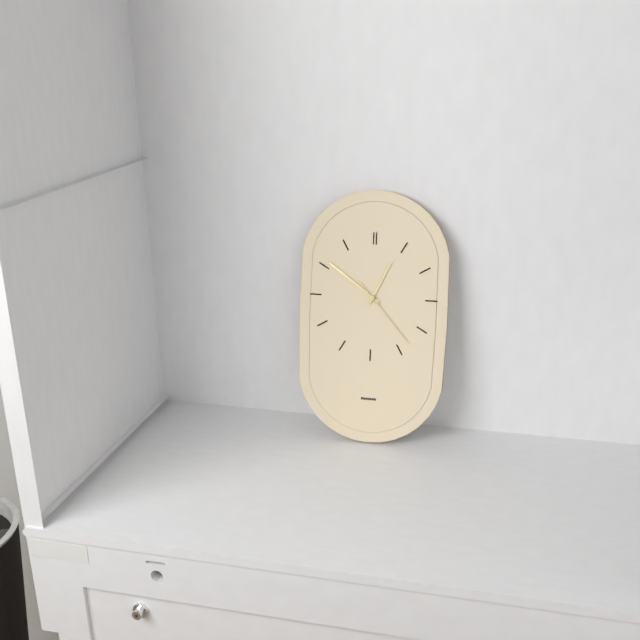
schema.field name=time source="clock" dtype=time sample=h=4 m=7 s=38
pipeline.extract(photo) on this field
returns h=12 m=51 s=23
